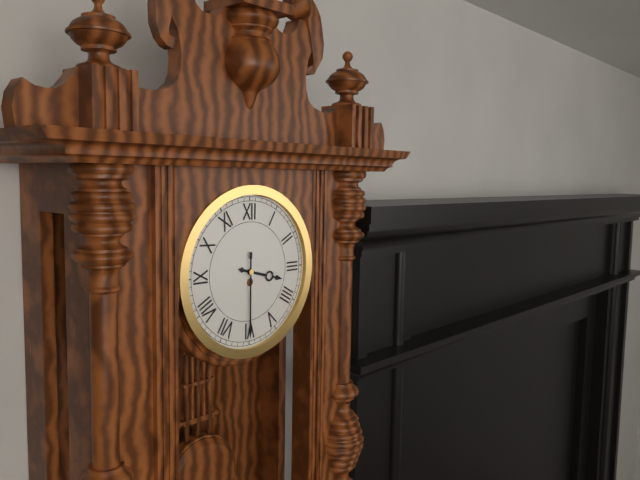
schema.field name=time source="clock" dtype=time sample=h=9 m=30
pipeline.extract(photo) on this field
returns h=3 m=30
